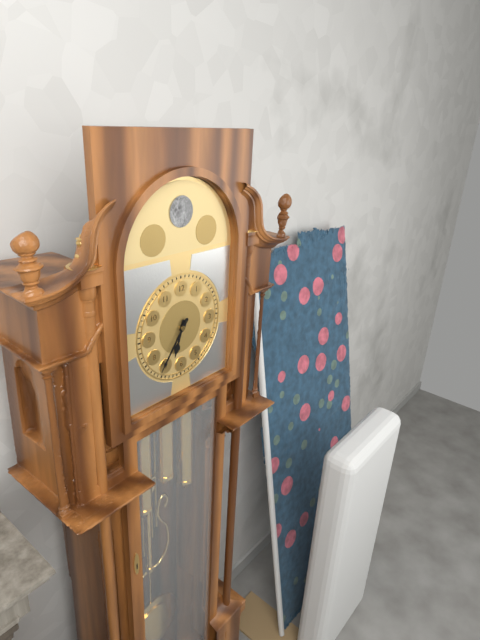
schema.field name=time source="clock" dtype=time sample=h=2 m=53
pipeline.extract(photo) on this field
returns h=6 m=36
